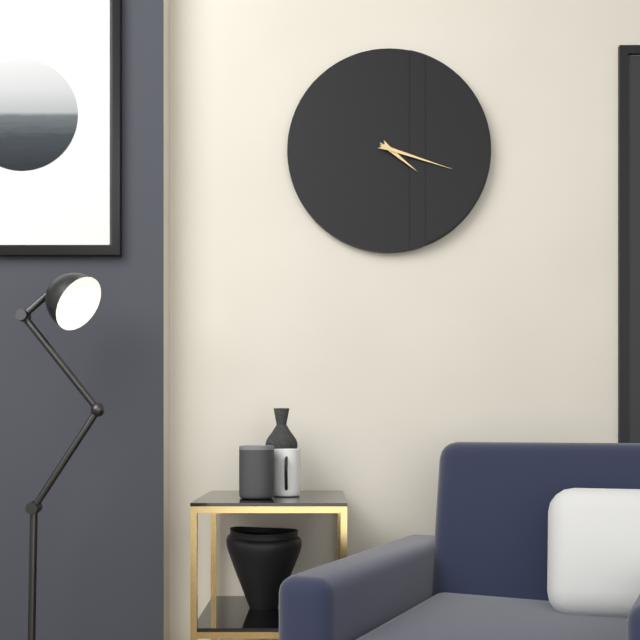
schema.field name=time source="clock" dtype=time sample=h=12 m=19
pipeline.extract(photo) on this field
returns h=4 m=18
